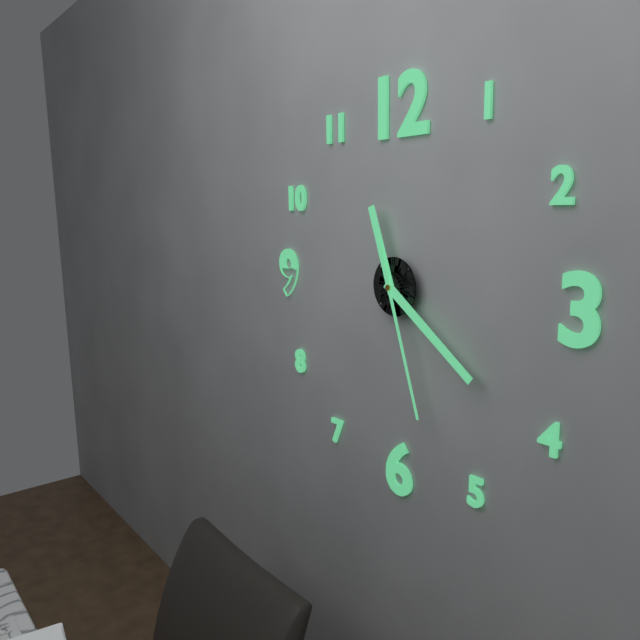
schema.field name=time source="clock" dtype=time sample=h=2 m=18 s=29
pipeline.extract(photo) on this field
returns h=11 m=21 s=27
